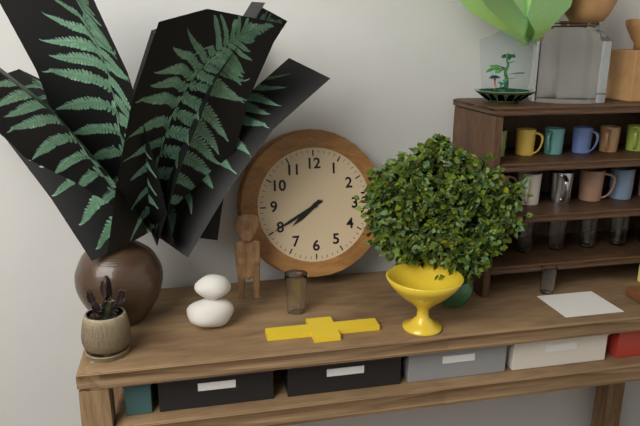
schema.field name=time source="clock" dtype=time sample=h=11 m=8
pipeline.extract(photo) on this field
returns h=7 m=40
